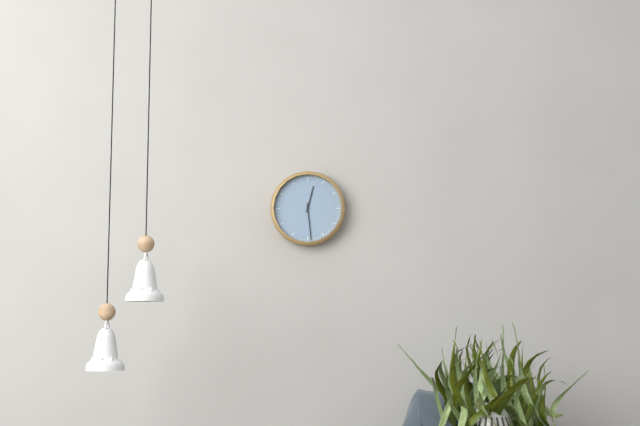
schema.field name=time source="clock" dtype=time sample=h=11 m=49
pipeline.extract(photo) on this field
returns h=12 m=29
